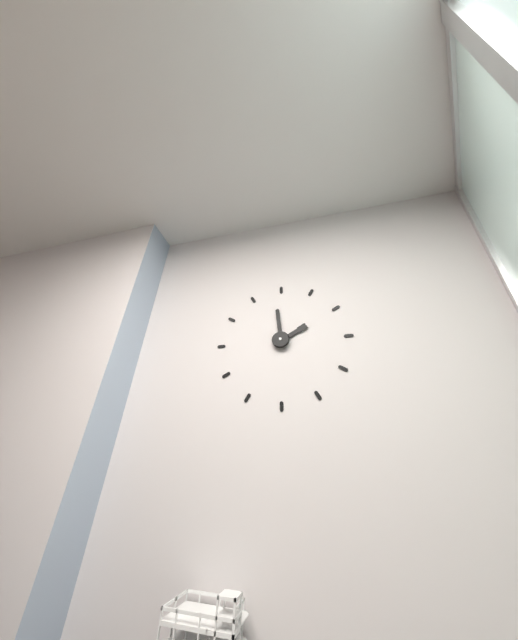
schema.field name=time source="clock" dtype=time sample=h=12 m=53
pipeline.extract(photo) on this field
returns h=1 m=59
